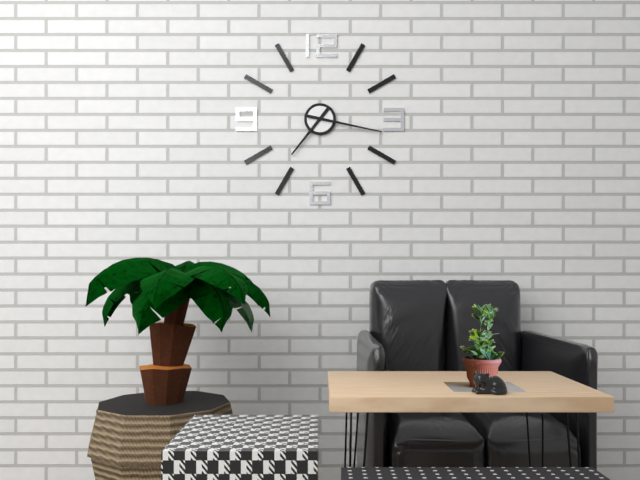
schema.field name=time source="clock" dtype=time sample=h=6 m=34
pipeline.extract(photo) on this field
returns h=7 m=17
